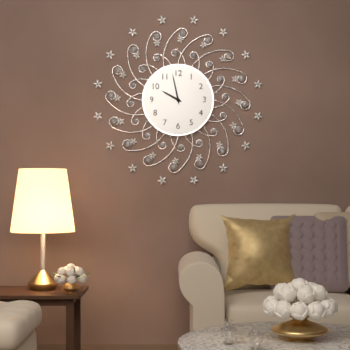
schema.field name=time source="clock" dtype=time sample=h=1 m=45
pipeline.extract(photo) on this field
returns h=9 m=58
